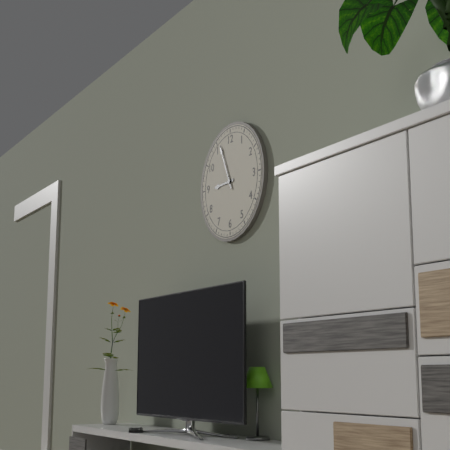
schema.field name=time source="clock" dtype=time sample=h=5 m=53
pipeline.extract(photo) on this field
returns h=8 m=56
